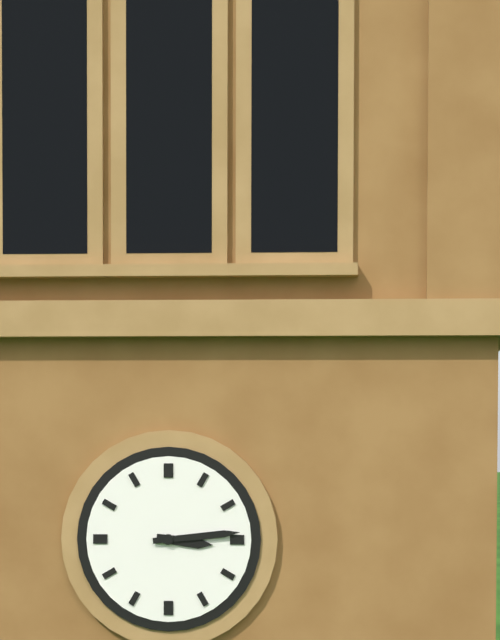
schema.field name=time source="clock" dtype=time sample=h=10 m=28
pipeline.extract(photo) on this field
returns h=3 m=14
